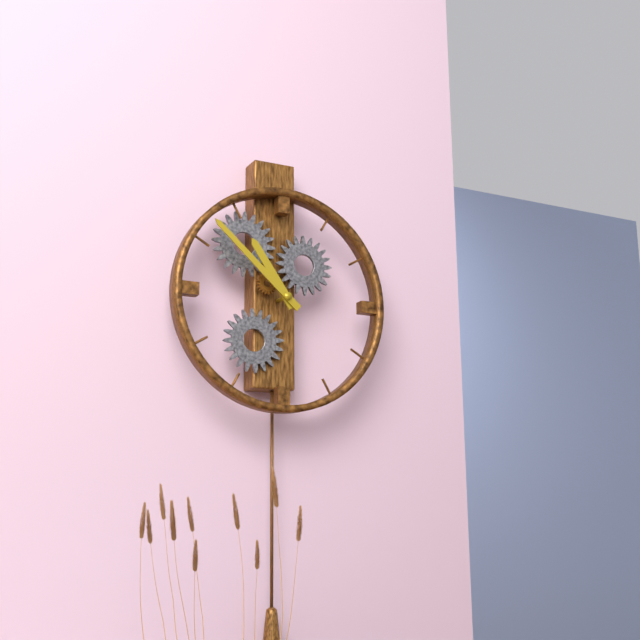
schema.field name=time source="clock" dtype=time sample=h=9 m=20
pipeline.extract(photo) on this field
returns h=10 m=52
